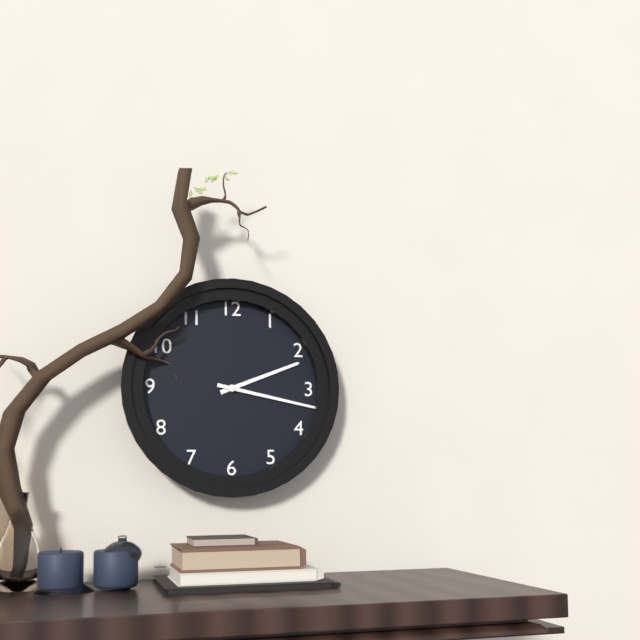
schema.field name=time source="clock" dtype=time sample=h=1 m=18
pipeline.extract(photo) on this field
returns h=2 m=17
